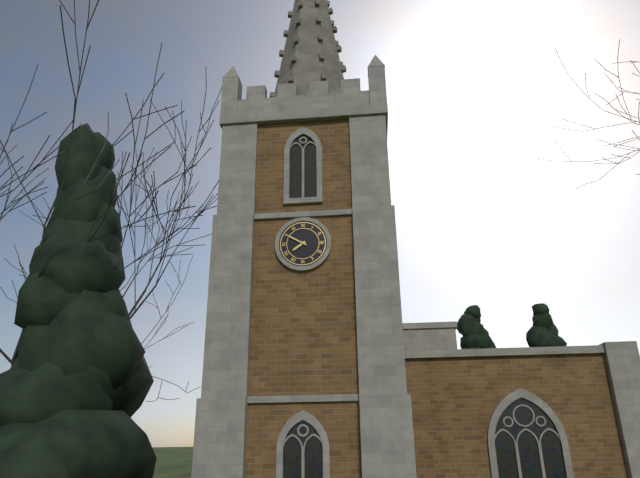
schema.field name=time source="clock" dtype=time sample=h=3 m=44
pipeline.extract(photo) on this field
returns h=7 m=50
